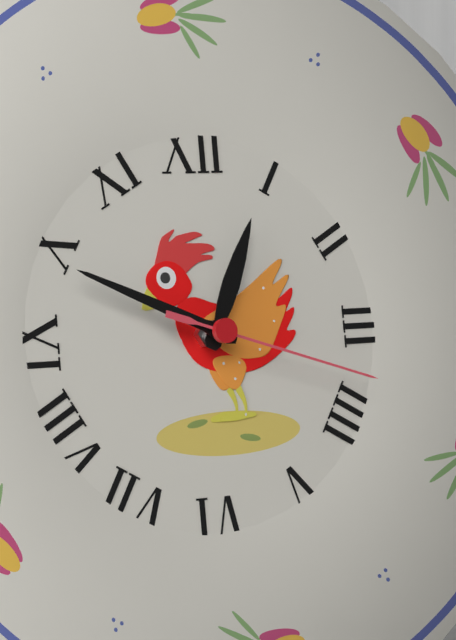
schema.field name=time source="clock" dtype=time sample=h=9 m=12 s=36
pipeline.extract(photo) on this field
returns h=12 m=49 s=18
